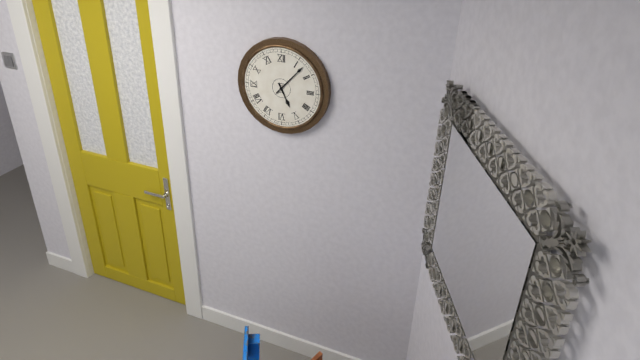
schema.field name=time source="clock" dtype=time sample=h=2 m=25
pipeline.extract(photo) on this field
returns h=5 m=7
